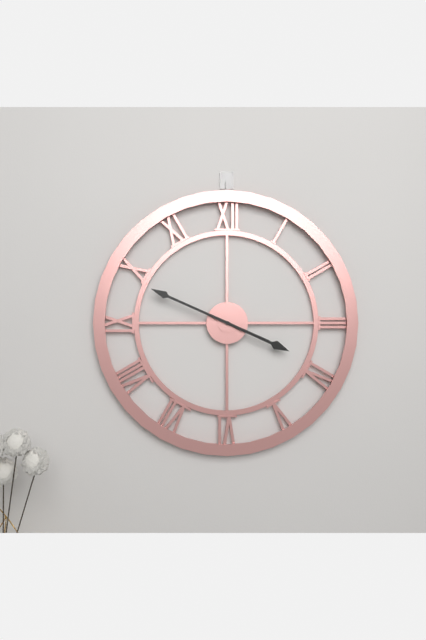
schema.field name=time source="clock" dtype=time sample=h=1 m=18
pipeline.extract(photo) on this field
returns h=3 m=49
